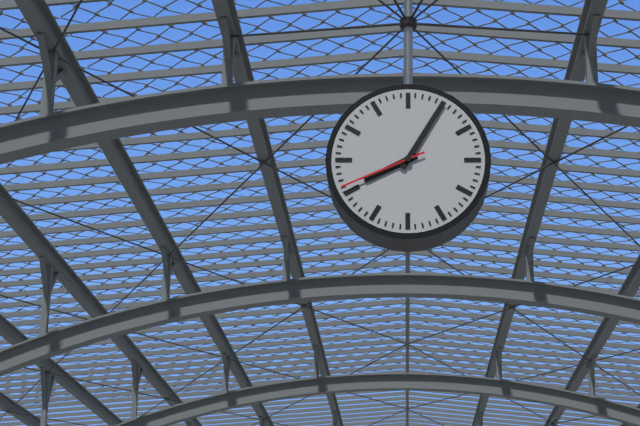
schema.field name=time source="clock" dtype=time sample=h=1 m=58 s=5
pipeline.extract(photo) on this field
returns h=8 m=5 s=41
